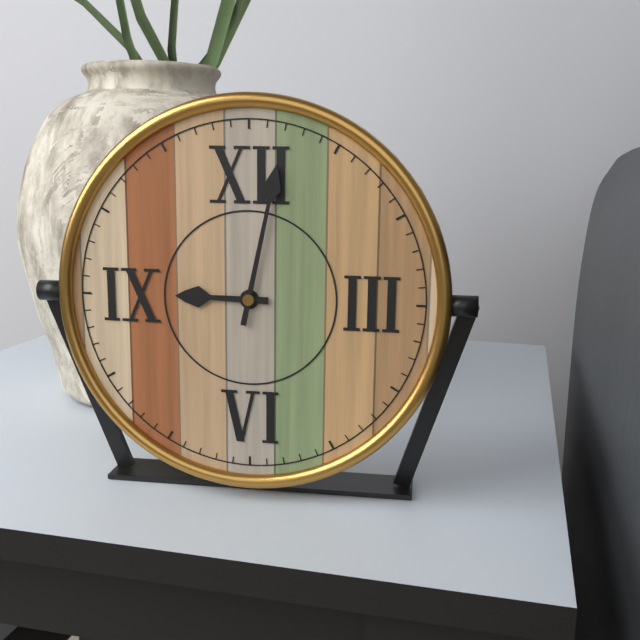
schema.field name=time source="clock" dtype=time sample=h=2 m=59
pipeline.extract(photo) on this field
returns h=9 m=2
